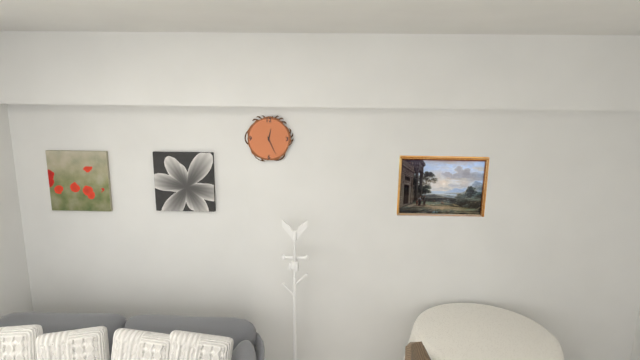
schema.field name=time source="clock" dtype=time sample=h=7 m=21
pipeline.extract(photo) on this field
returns h=12 m=26
